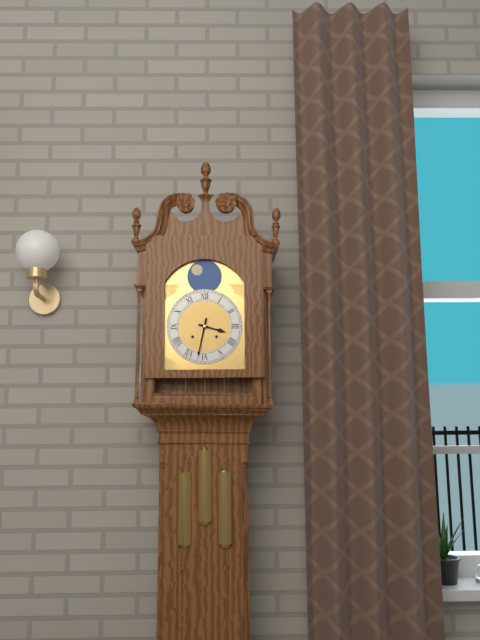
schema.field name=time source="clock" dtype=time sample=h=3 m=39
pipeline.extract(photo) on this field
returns h=3 m=32
